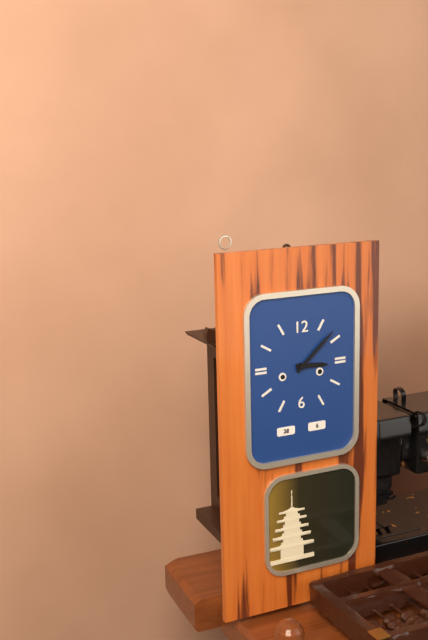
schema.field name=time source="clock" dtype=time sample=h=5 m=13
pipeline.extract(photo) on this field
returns h=3 m=8
